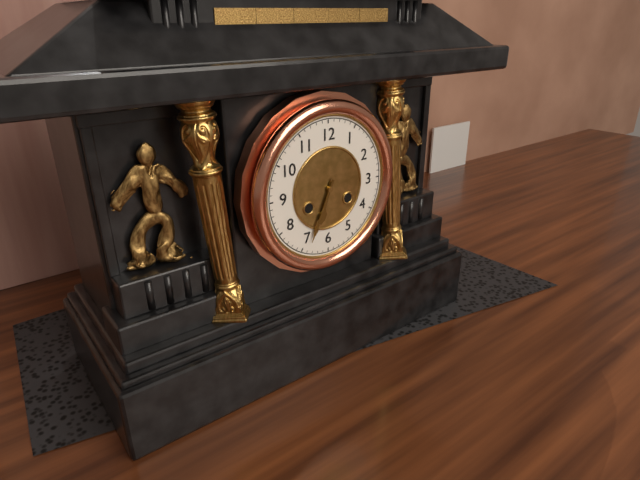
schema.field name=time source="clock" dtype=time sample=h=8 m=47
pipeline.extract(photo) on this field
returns h=6 m=34
